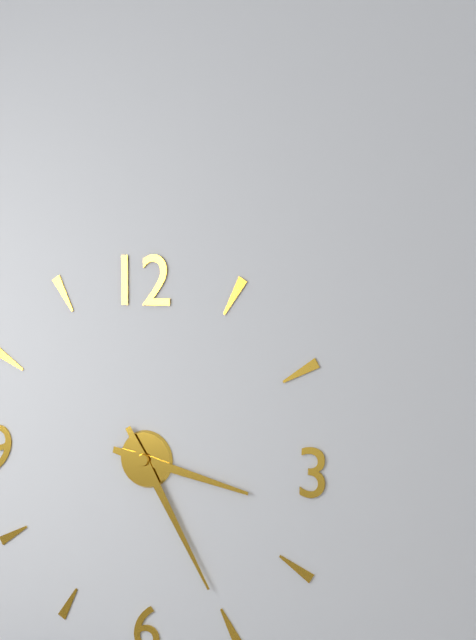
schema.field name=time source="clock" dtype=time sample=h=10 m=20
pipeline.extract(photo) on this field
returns h=3 m=25
